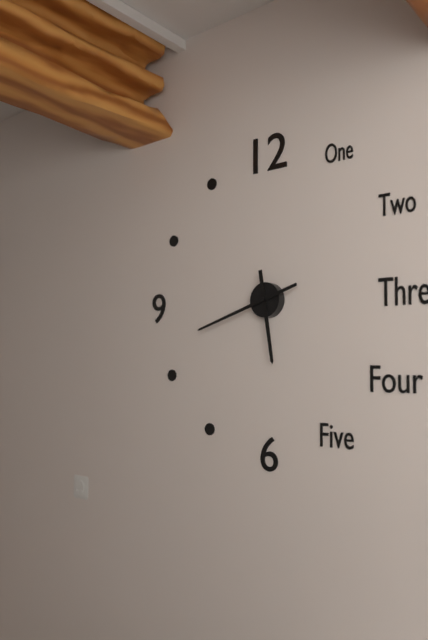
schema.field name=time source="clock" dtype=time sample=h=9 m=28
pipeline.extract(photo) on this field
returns h=5 m=42
